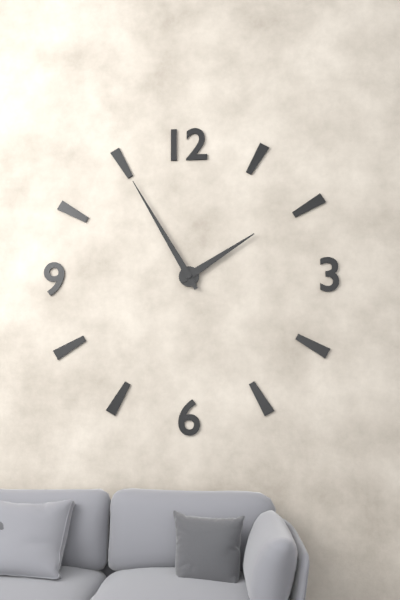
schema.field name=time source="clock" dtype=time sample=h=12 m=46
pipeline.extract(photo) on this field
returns h=1 m=55
